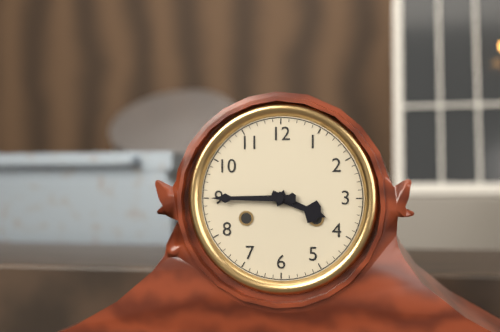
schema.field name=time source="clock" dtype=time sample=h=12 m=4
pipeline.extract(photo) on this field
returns h=3 m=45
